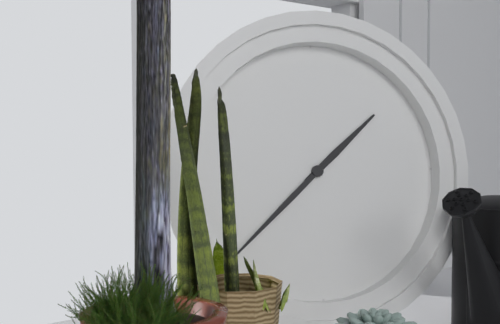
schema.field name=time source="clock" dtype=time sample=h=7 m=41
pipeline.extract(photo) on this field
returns h=1 m=38
